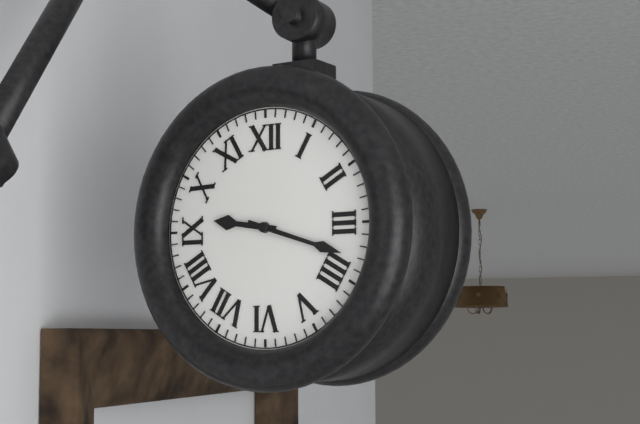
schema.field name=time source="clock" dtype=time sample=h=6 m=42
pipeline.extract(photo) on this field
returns h=9 m=18
